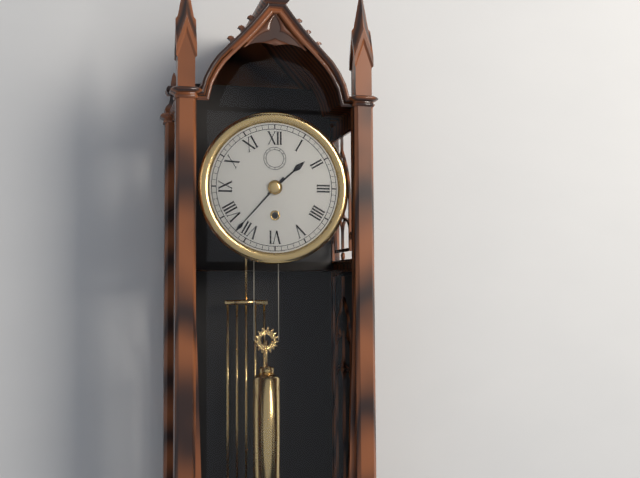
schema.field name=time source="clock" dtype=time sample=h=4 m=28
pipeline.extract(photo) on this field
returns h=1 m=37
